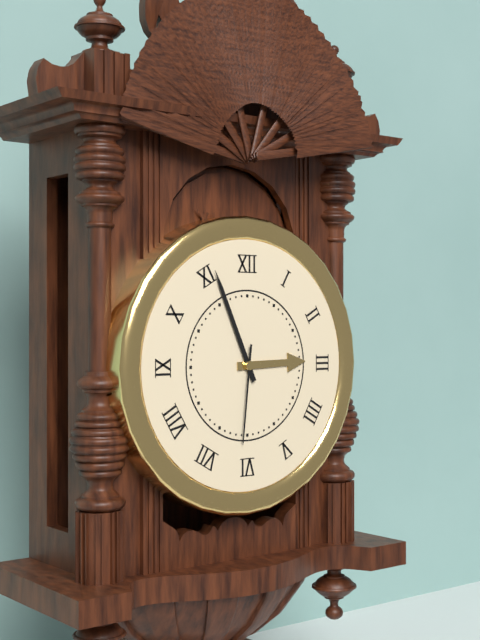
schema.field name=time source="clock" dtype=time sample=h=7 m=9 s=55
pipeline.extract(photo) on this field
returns h=2 m=56 s=31
